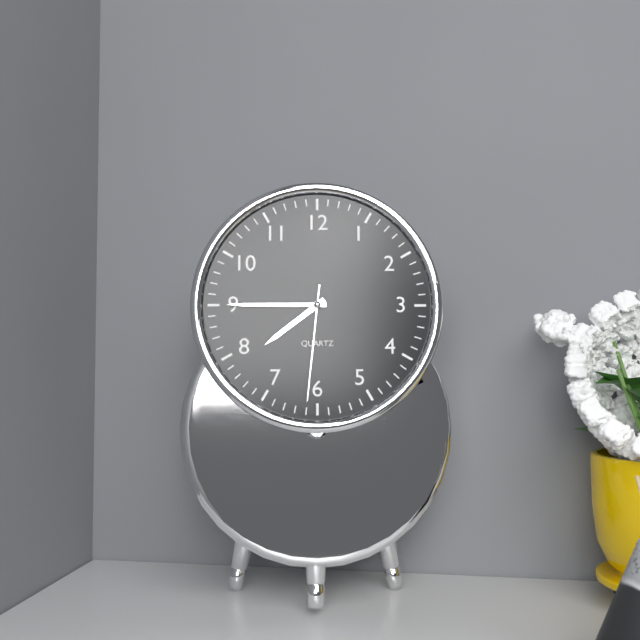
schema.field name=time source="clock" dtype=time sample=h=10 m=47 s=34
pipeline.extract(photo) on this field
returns h=7 m=45 s=31
